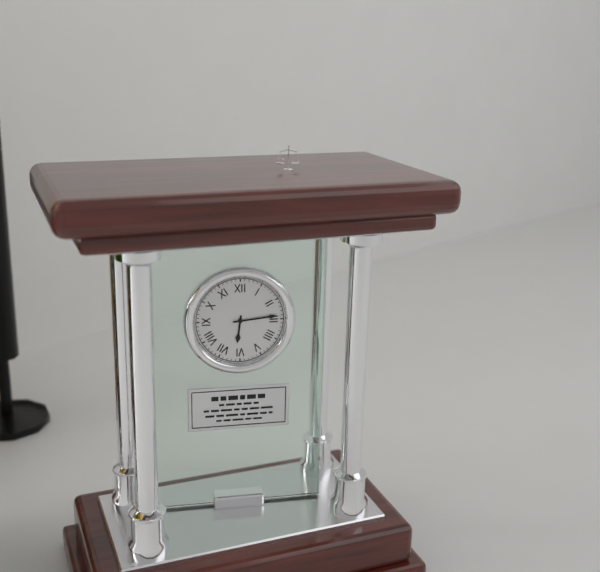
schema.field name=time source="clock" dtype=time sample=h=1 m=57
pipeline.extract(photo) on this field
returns h=6 m=14
